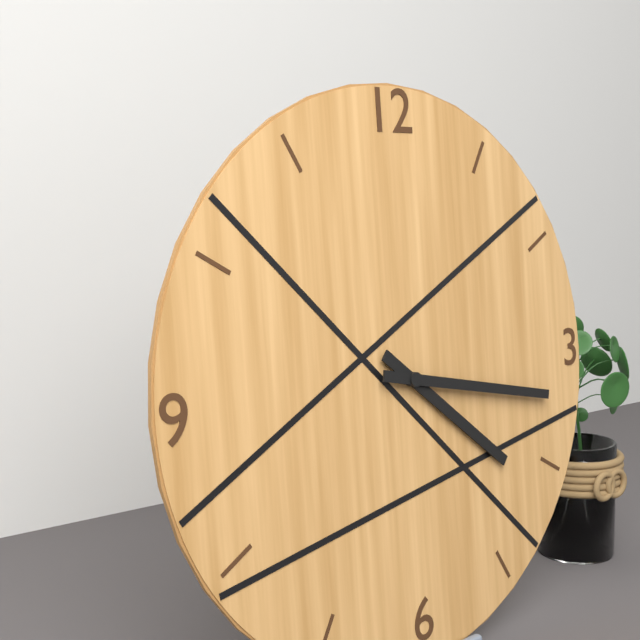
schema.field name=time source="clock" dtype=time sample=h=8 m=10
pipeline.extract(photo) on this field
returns h=4 m=17
